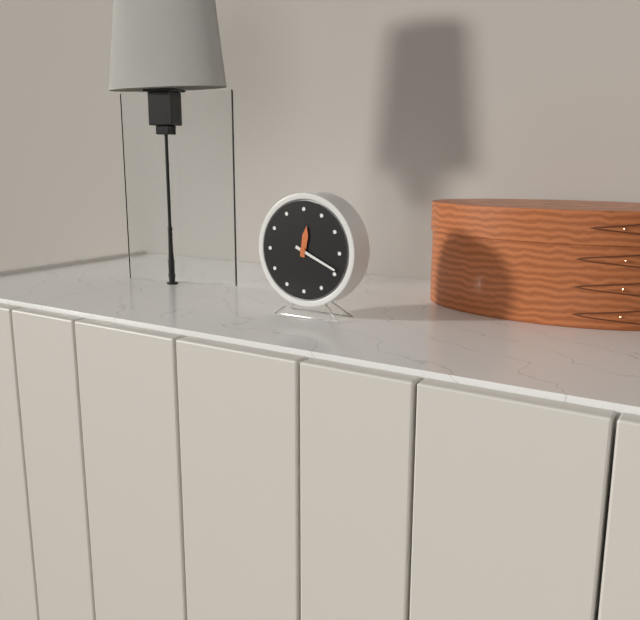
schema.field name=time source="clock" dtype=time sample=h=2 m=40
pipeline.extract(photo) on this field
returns h=12 m=19
